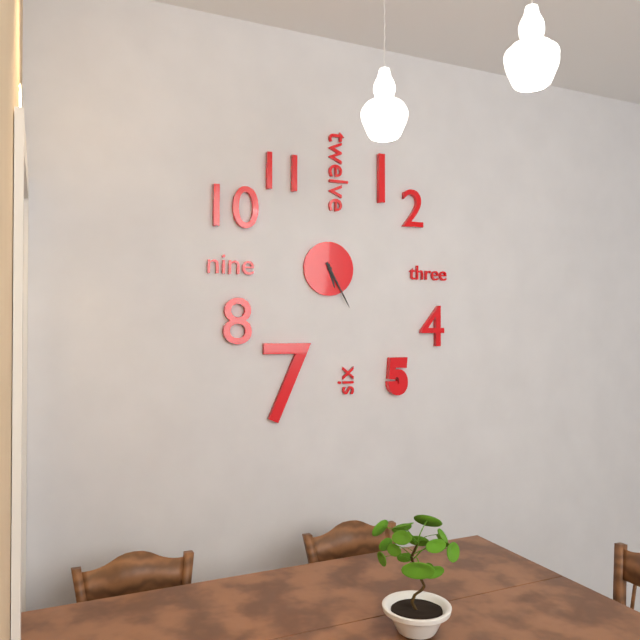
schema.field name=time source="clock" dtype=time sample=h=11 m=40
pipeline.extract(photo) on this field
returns h=5 m=25
